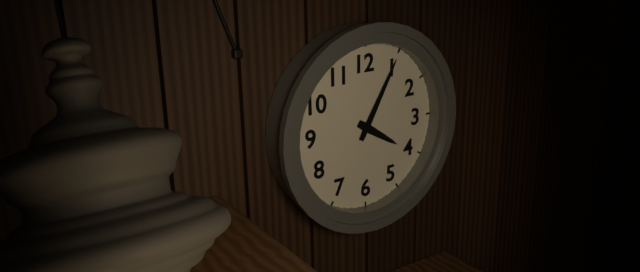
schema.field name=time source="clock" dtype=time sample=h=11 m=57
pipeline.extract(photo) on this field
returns h=4 m=5
